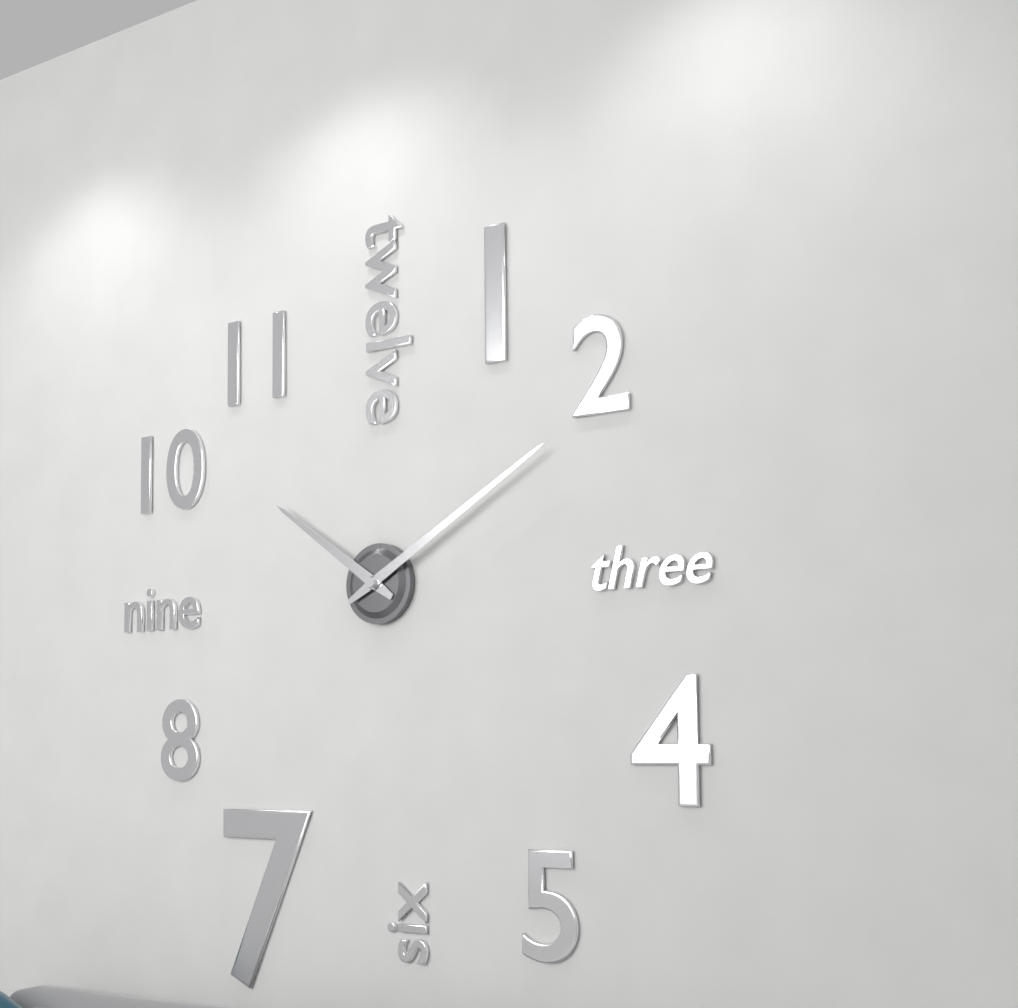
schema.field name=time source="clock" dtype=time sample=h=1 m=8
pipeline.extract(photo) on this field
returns h=10 m=10
